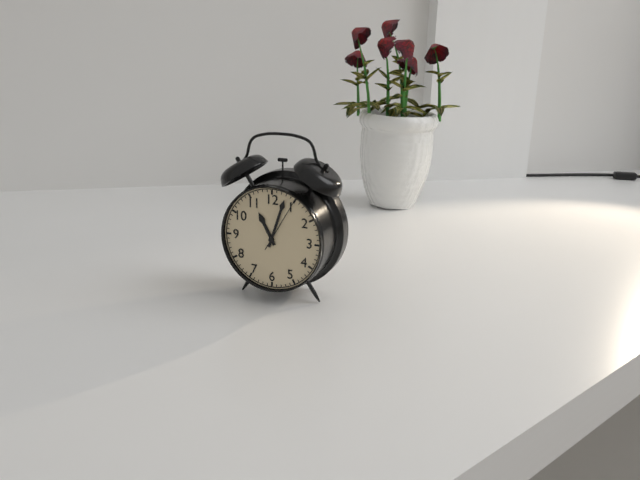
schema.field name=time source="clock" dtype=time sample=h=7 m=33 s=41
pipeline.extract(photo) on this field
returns h=11 m=3 s=5
